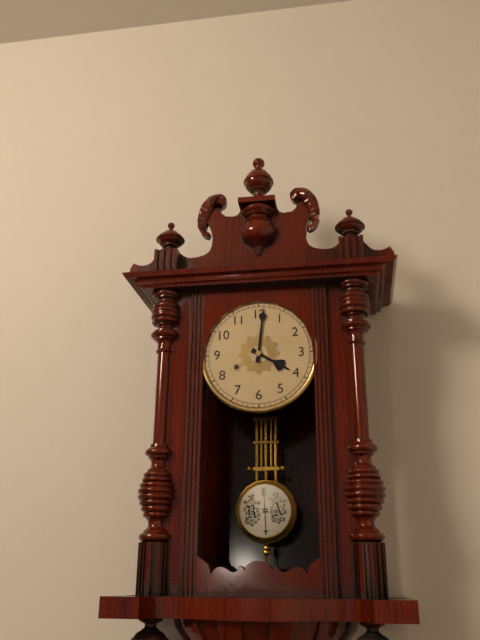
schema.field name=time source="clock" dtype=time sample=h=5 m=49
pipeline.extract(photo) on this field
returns h=4 m=1
